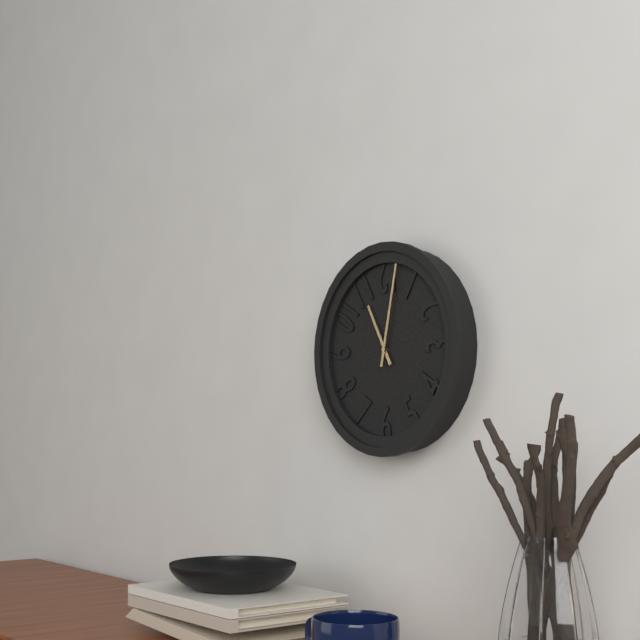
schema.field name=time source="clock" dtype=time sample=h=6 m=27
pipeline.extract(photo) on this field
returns h=11 m=2
